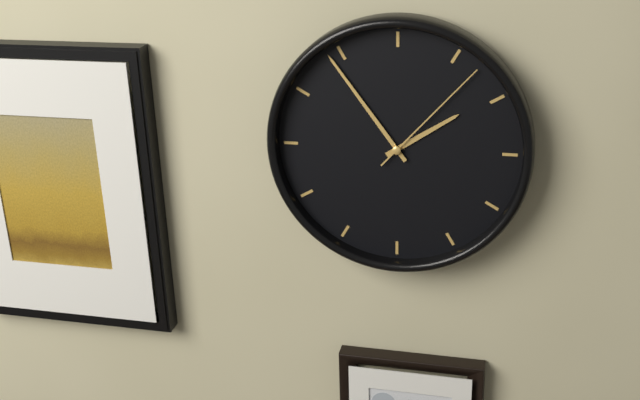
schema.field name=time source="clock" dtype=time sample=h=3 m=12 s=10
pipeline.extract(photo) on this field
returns h=1 m=54 s=7
